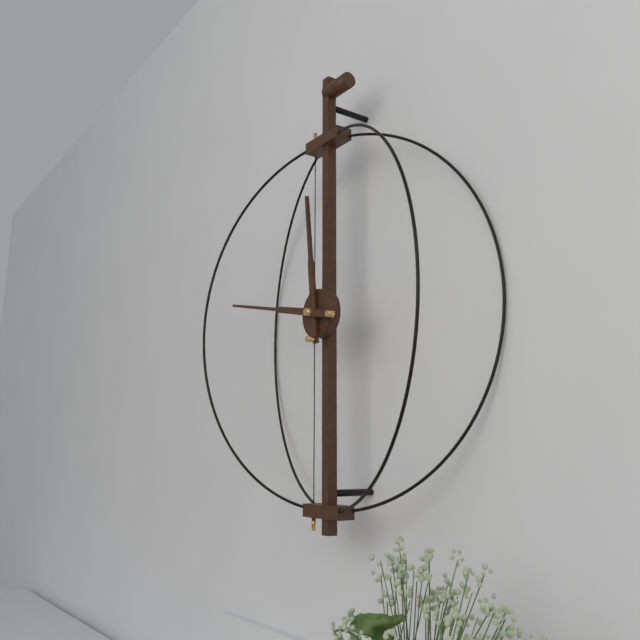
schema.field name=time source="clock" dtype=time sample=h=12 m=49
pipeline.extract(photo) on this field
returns h=11 m=47
